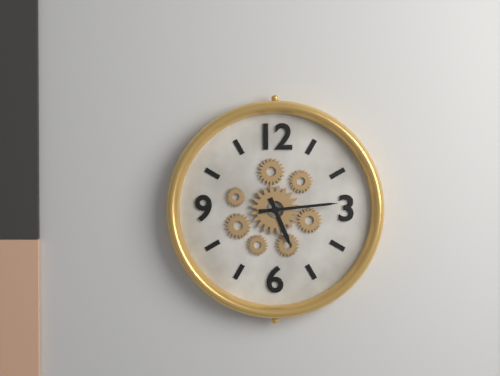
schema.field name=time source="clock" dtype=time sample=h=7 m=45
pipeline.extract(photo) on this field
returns h=5 m=14
